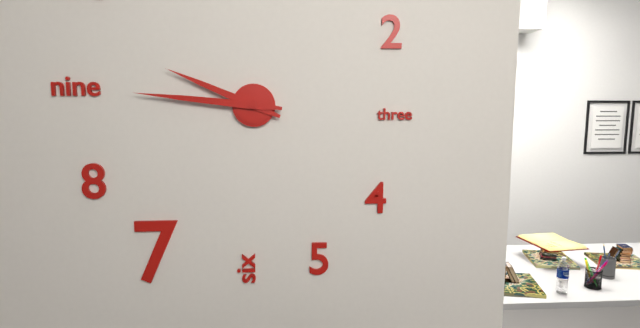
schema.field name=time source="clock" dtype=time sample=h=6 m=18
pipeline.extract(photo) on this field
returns h=9 m=46
